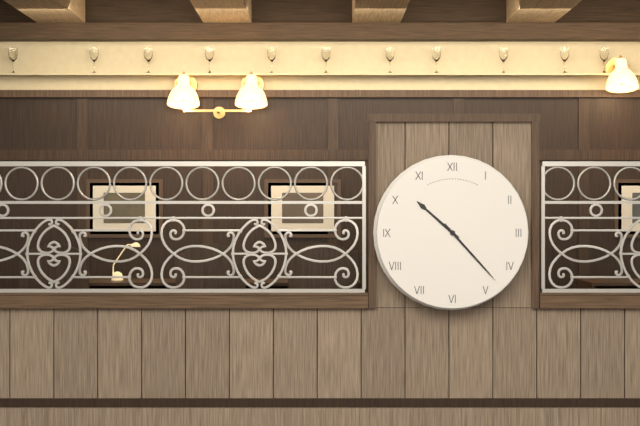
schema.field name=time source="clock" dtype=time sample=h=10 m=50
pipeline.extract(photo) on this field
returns h=10 m=23
